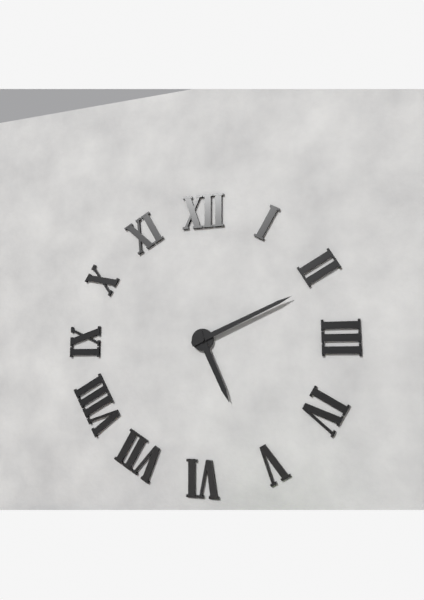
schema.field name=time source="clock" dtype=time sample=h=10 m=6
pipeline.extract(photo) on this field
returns h=5 m=11
